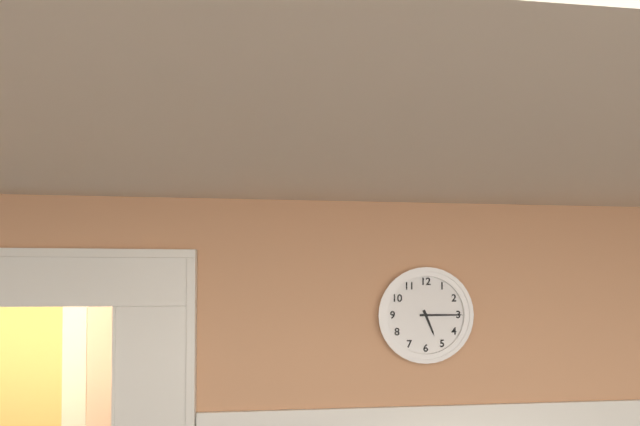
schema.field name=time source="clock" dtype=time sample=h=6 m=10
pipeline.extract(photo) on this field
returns h=5 m=15
